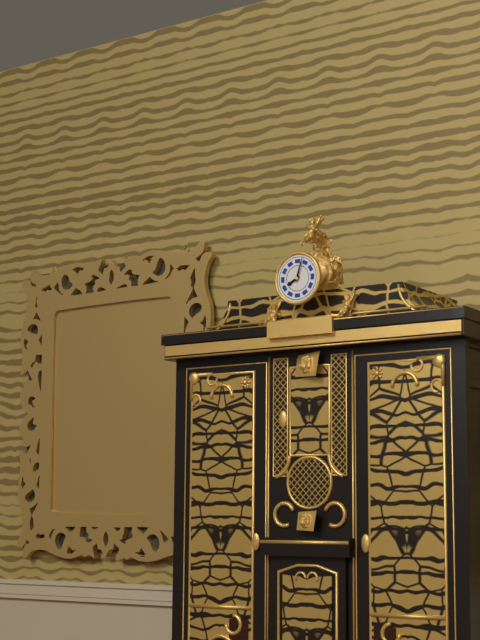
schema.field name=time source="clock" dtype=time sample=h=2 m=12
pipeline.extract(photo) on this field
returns h=8 m=3
